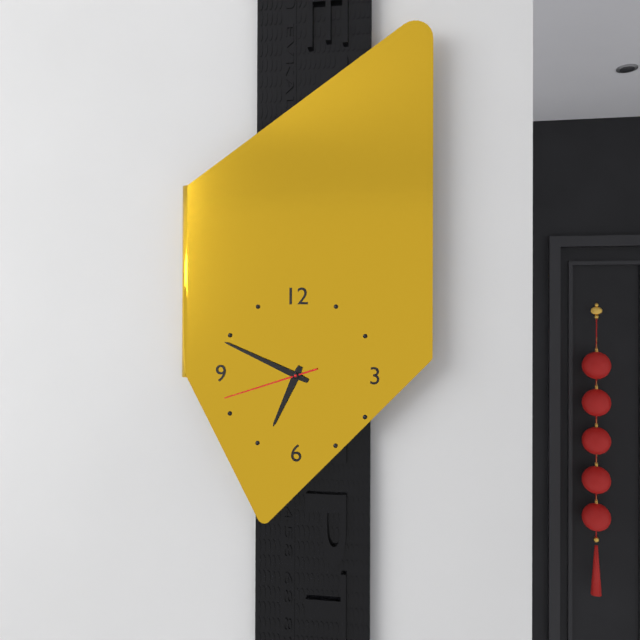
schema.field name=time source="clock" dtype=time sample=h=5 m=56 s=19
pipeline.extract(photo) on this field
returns h=6 m=49 s=42
